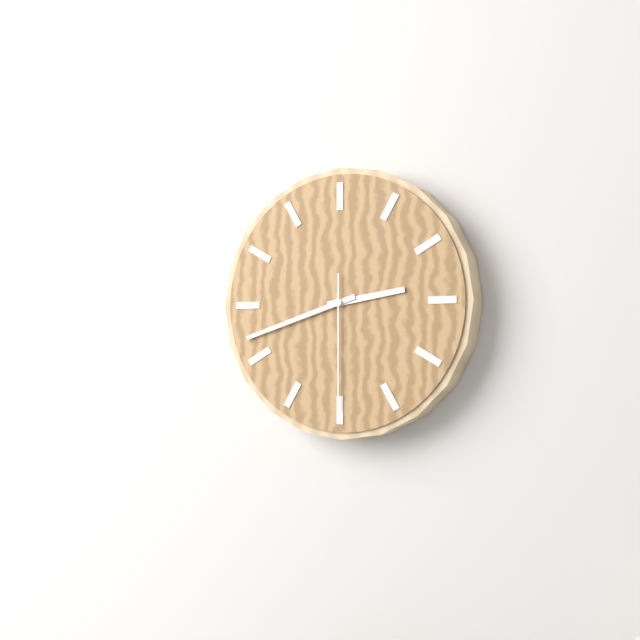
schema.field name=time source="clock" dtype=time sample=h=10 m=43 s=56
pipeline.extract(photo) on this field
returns h=2 m=42 s=30
